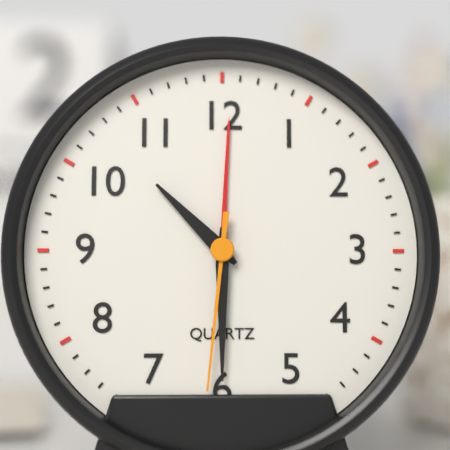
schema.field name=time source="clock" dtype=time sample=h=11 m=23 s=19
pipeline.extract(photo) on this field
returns h=10 m=30 s=31
